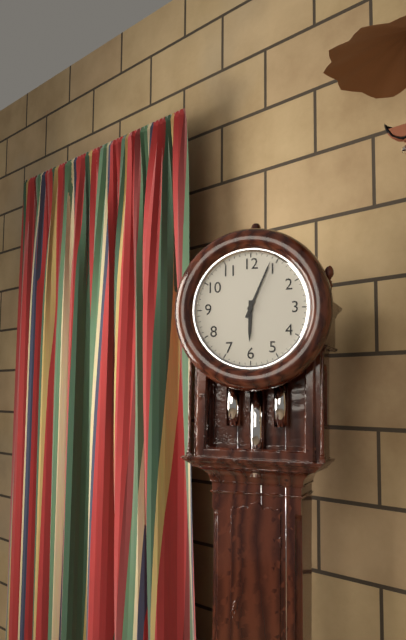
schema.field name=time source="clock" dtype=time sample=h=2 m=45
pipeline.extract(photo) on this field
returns h=6 m=4
